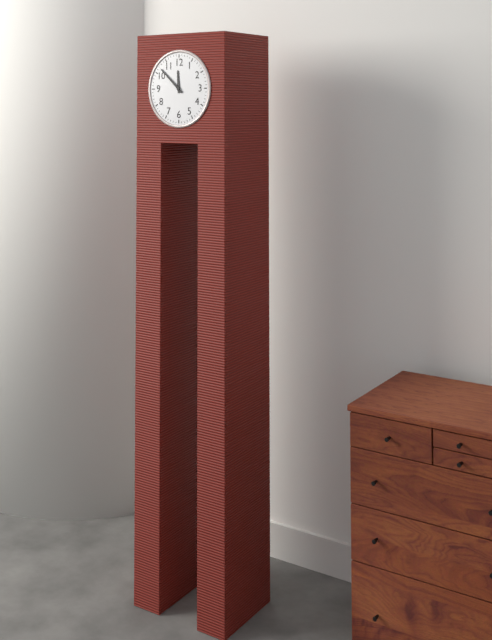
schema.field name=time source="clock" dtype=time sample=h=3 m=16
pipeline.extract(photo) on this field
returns h=11 m=52
